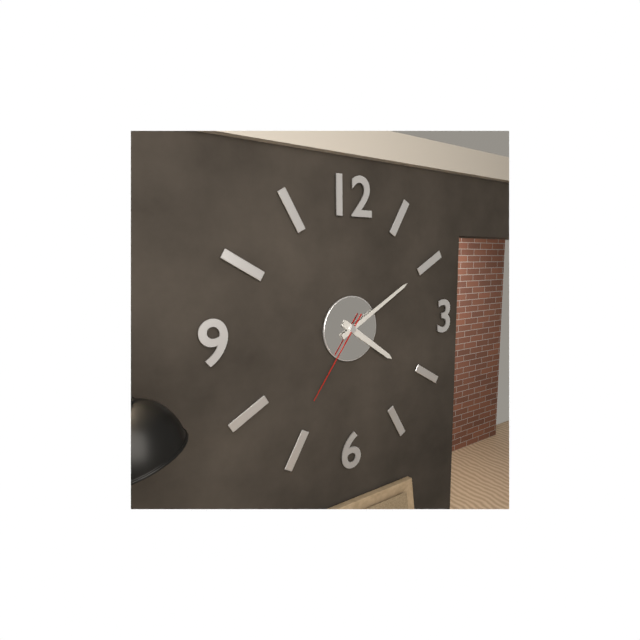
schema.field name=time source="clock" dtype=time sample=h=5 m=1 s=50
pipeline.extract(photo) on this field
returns h=4 m=10 s=36
